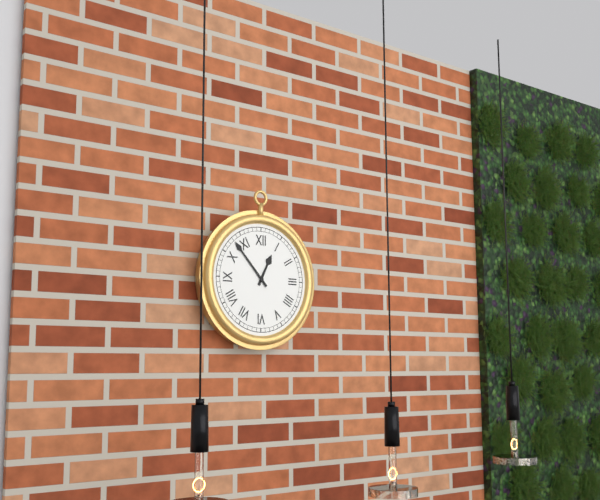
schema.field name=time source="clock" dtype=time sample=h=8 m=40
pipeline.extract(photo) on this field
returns h=12 m=53
